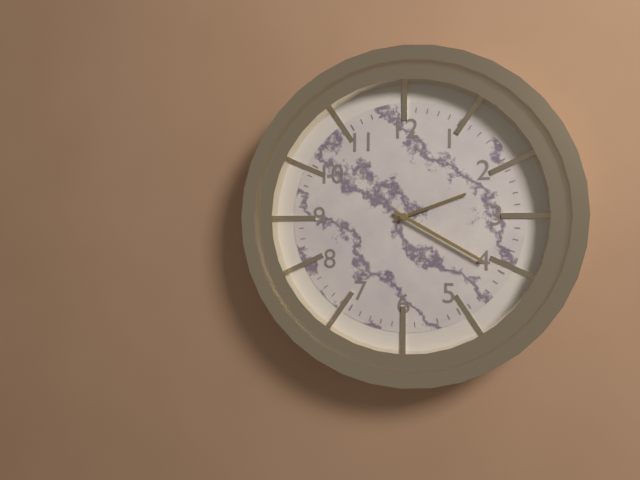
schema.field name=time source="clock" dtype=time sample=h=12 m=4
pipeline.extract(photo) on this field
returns h=2 m=20
